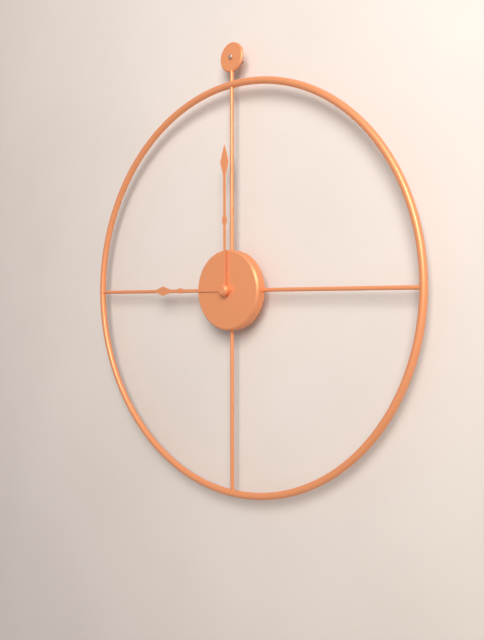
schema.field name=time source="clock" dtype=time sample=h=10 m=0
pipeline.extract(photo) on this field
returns h=9 m=0
